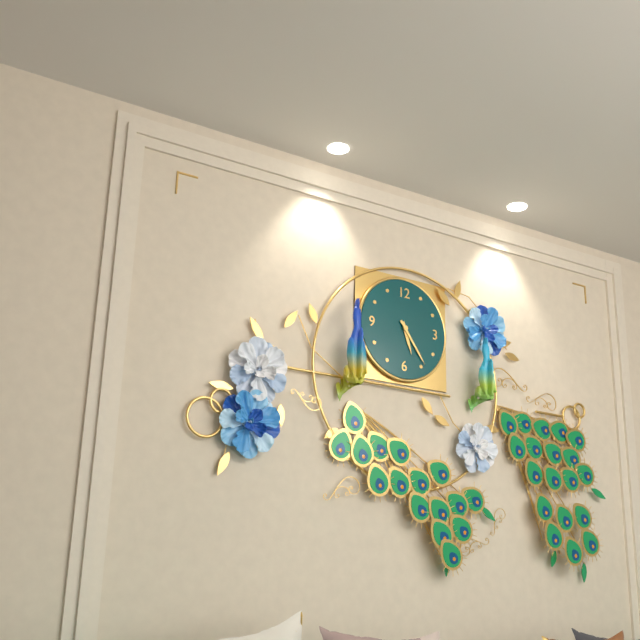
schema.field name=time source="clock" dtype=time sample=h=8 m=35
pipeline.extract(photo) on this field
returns h=5 m=24
